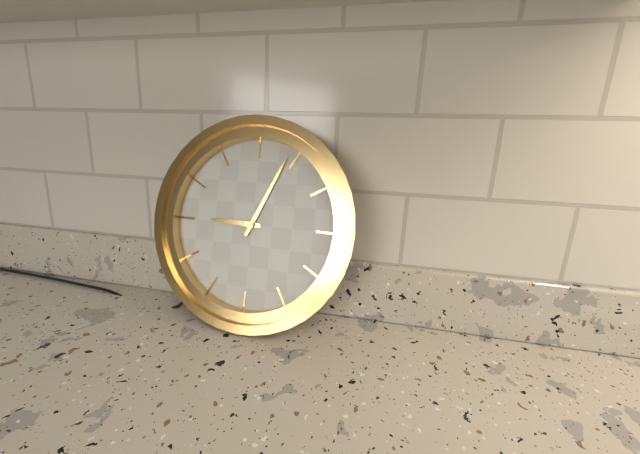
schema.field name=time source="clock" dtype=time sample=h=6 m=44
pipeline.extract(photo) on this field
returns h=9 m=4
